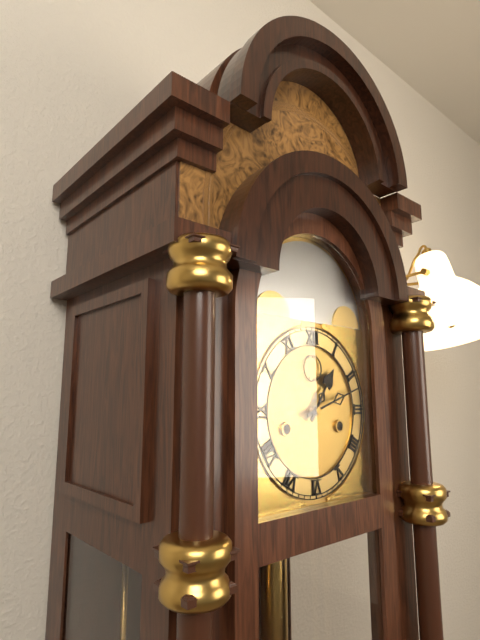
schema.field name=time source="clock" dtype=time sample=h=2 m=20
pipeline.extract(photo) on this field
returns h=1 m=12
